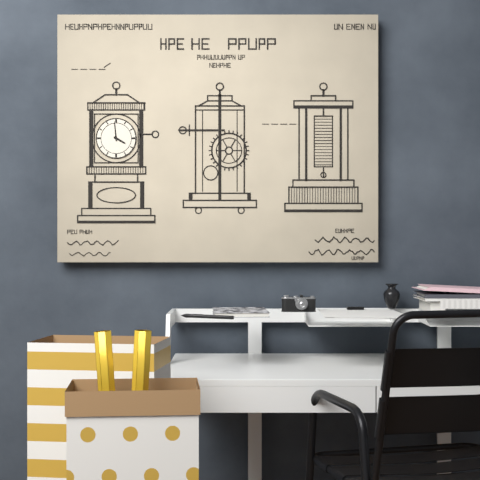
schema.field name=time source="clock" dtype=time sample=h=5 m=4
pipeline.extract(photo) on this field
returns h=3 m=59
